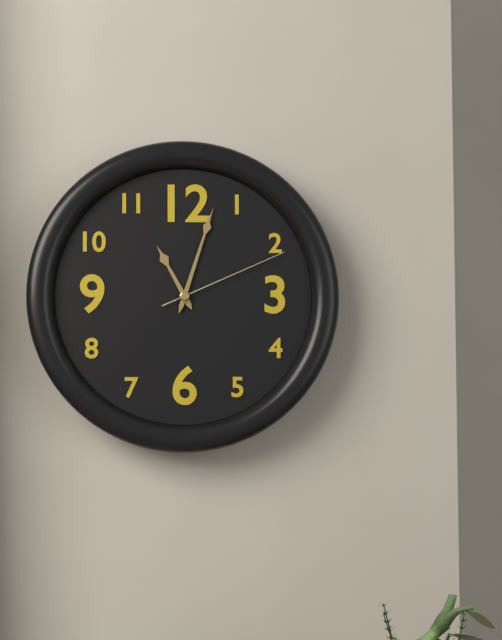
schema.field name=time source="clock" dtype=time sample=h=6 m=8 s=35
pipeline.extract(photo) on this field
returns h=11 m=3 s=11
